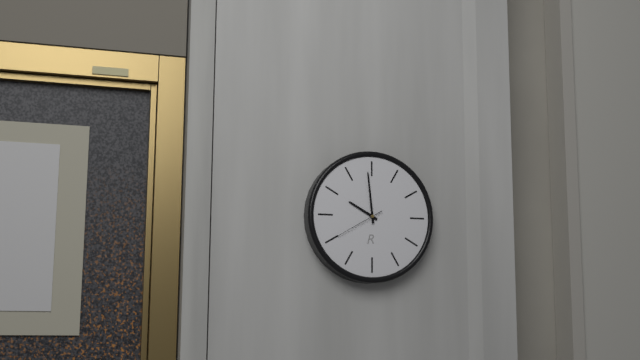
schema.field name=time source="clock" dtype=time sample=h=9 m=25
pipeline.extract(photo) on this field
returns h=9 m=59
